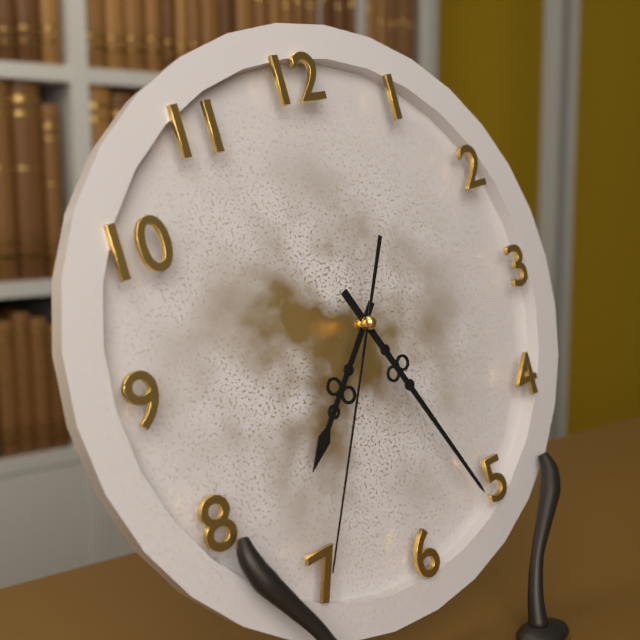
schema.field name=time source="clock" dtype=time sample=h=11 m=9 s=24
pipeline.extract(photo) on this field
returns h=7 m=26 s=35
